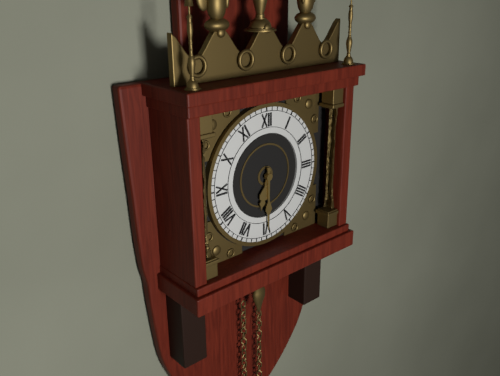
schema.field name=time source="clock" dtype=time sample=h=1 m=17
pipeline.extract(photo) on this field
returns h=6 m=30
